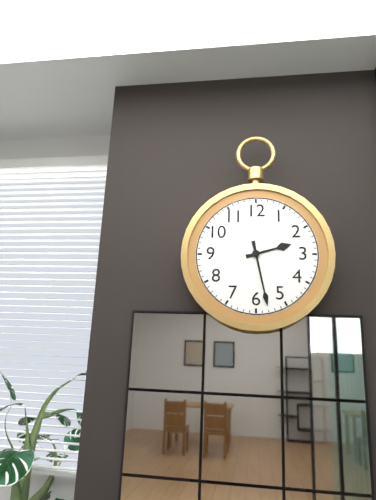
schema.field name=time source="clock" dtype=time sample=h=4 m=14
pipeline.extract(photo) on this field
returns h=2 m=28
